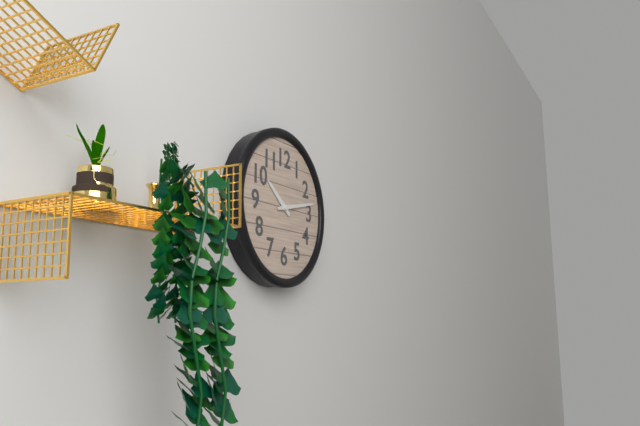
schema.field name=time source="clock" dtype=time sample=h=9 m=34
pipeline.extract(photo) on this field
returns h=10 m=13
